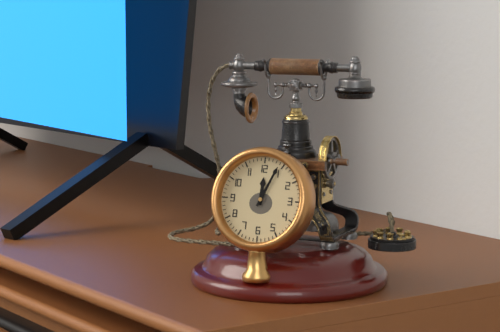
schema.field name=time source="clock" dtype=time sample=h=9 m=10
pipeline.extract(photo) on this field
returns h=12 m=4
